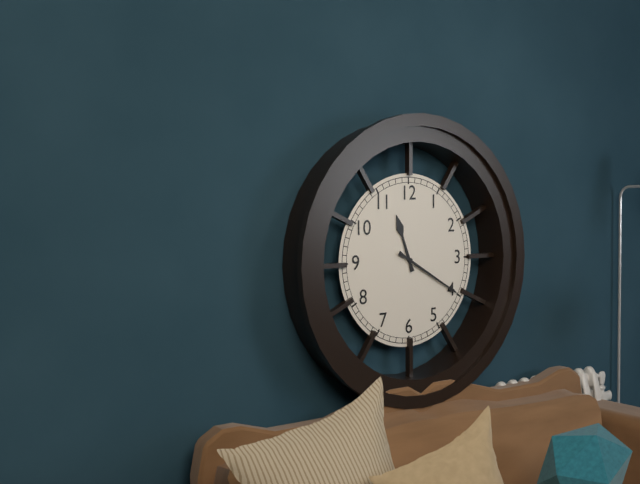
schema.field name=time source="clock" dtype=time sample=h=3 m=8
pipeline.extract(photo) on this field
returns h=11 m=20
